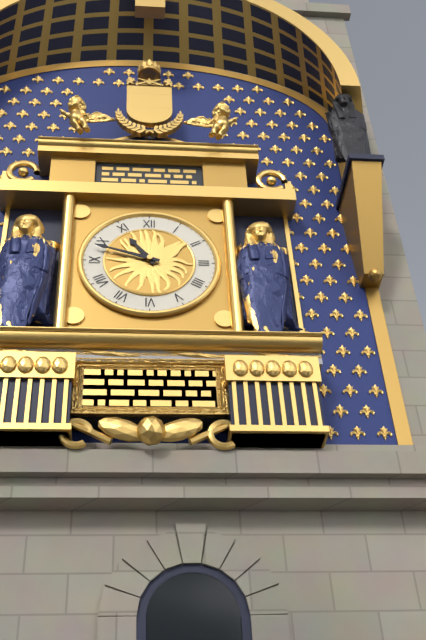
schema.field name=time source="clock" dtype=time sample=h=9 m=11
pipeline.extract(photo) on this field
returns h=10 m=48
